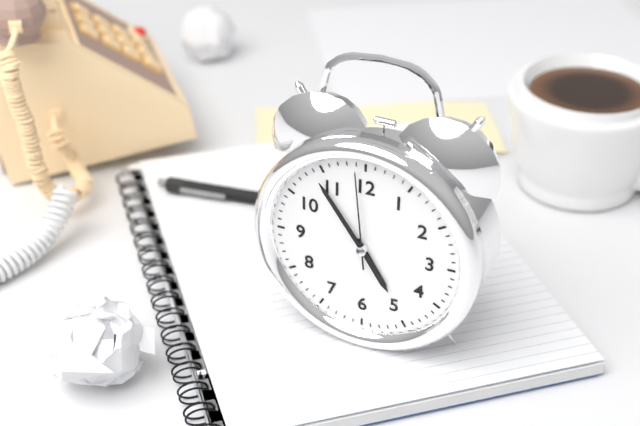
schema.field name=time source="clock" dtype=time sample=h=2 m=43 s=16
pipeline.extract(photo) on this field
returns h=4 m=54 s=59
